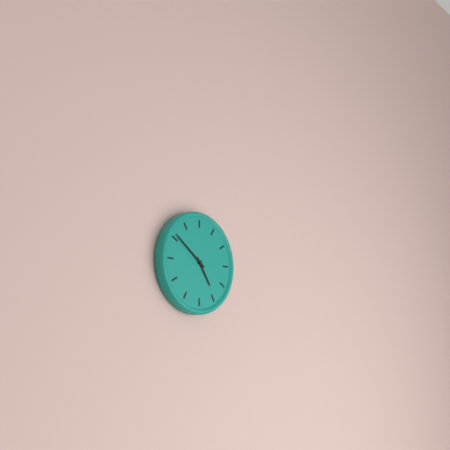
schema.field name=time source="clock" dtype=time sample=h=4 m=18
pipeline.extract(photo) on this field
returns h=4 m=51
